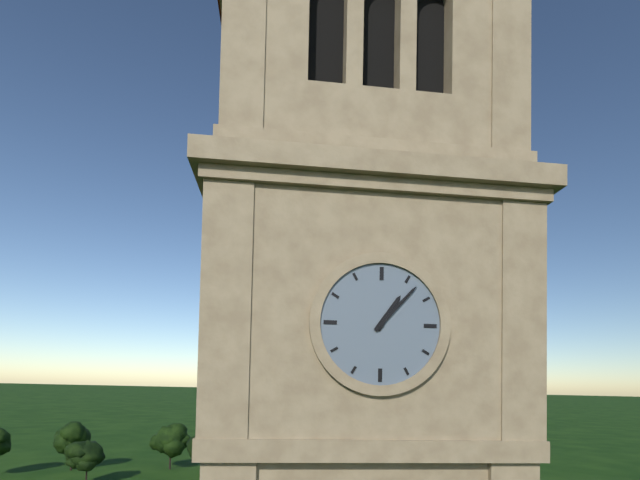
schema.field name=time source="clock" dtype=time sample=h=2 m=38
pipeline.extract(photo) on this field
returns h=1 m=7
